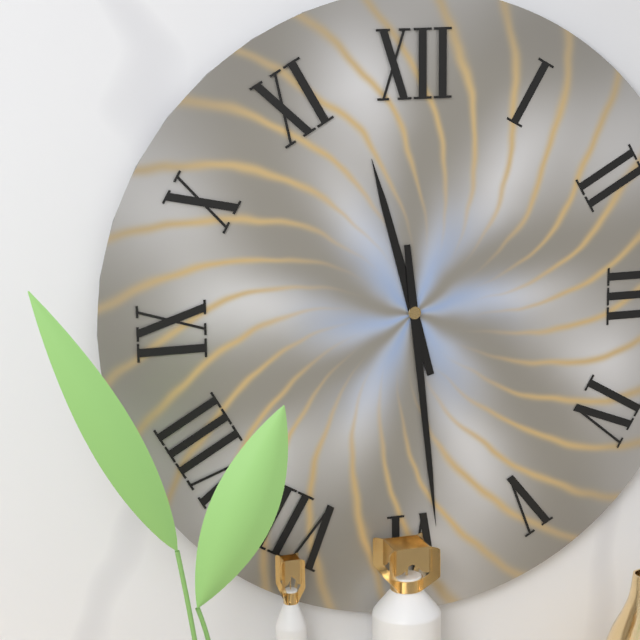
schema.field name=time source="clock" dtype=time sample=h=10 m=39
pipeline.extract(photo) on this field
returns h=11 m=29
